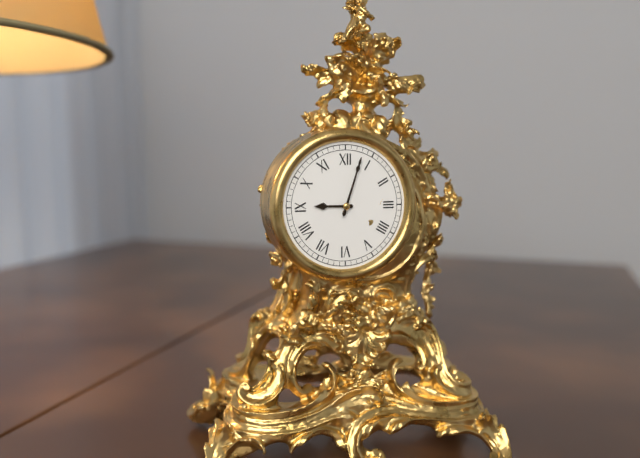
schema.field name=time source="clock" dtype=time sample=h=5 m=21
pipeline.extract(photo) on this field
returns h=9 m=3
